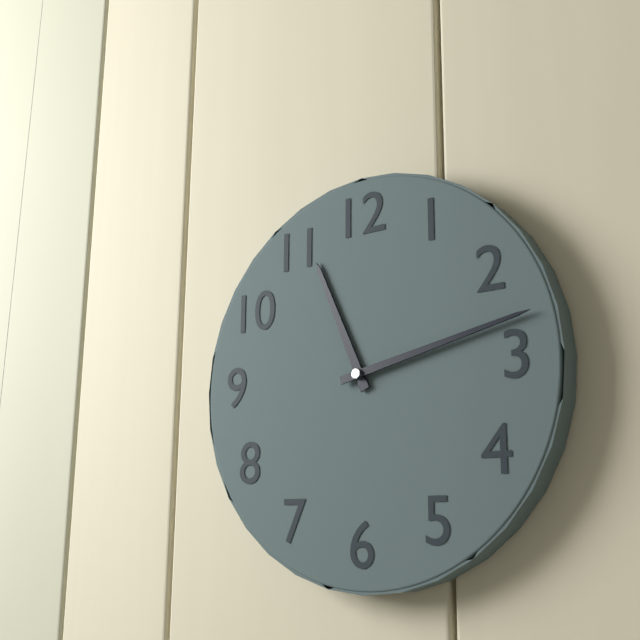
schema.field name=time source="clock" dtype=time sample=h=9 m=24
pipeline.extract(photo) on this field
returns h=11 m=13
